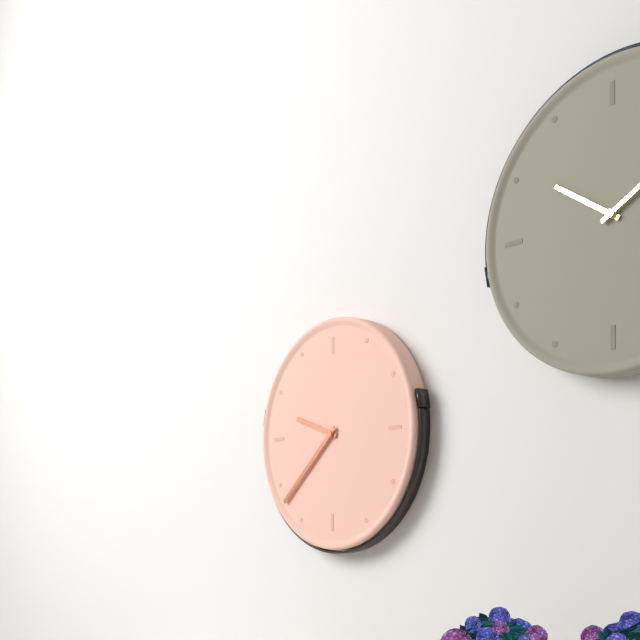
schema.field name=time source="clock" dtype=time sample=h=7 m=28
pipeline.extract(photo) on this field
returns h=9 m=38
